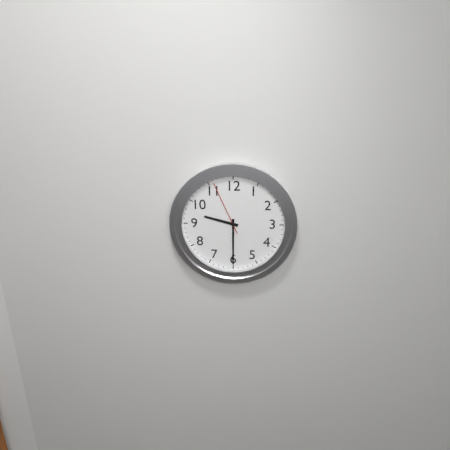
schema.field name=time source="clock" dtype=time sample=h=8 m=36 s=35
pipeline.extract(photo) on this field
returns h=9 m=30 s=56
